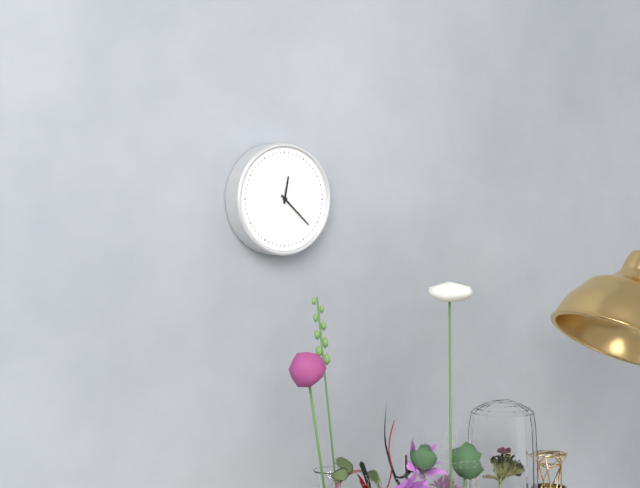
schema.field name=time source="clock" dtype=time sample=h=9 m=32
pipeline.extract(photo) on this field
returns h=12 m=22
